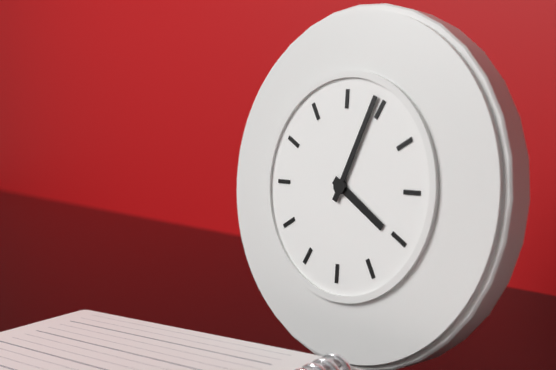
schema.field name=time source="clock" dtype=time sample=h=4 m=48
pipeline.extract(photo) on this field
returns h=4 m=4
